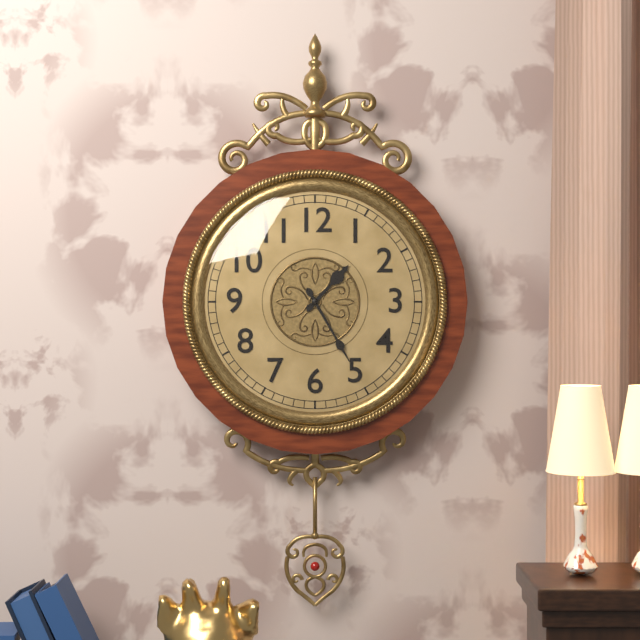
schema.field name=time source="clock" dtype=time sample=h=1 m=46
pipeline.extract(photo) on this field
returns h=1 m=25
